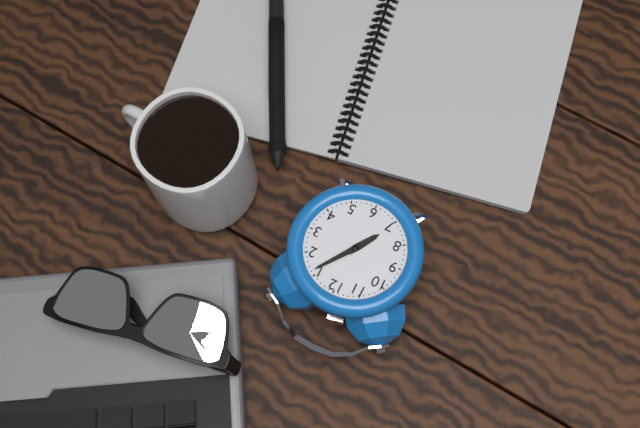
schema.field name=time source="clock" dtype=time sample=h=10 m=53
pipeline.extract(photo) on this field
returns h=7 m=6
